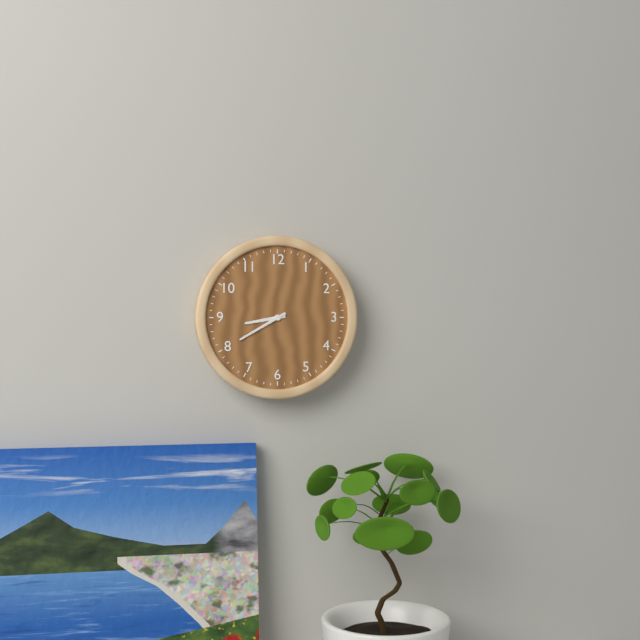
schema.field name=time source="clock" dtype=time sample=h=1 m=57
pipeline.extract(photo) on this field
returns h=8 m=40
